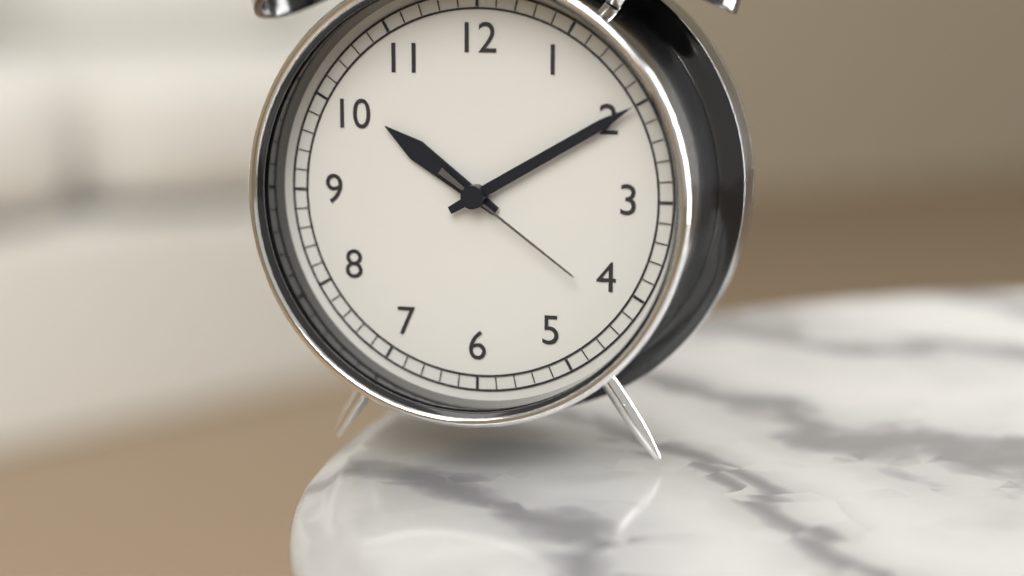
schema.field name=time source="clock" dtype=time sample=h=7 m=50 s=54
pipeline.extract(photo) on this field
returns h=10 m=10 s=21
